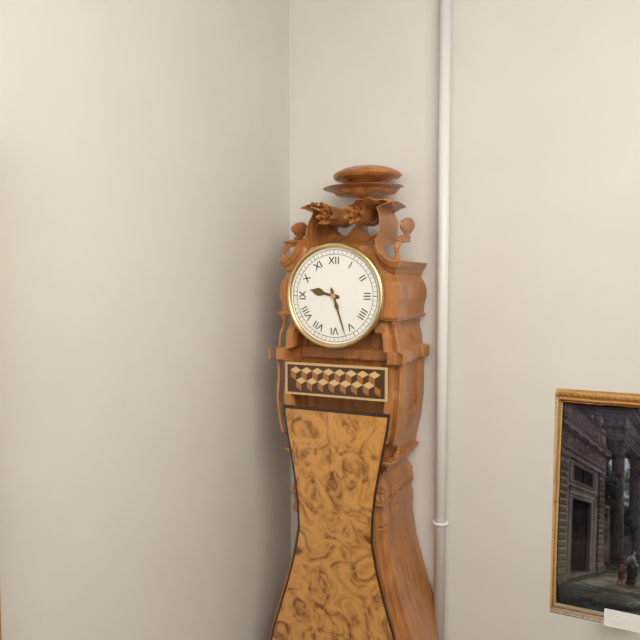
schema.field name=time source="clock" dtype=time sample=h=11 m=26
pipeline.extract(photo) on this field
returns h=9 m=27
